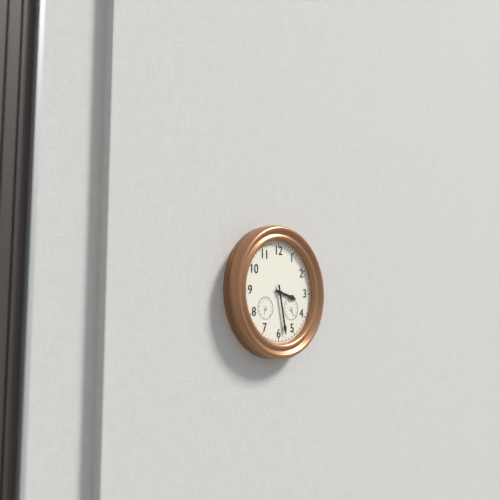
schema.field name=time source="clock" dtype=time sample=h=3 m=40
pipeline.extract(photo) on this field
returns h=3 m=28
